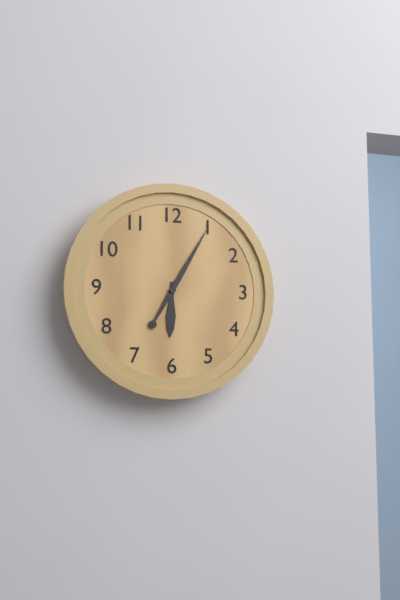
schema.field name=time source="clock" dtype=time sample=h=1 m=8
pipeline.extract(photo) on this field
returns h=6 m=5
